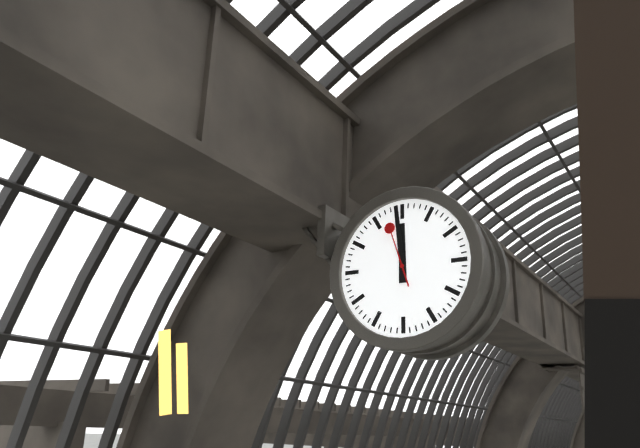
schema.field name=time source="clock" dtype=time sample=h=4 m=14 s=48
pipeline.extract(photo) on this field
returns h=11 m=59 s=57
